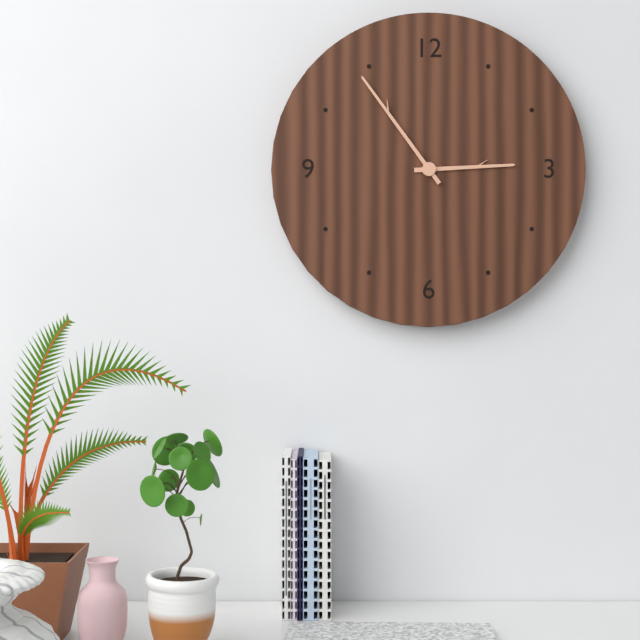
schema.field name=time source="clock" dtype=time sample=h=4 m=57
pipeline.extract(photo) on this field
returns h=2 m=54
